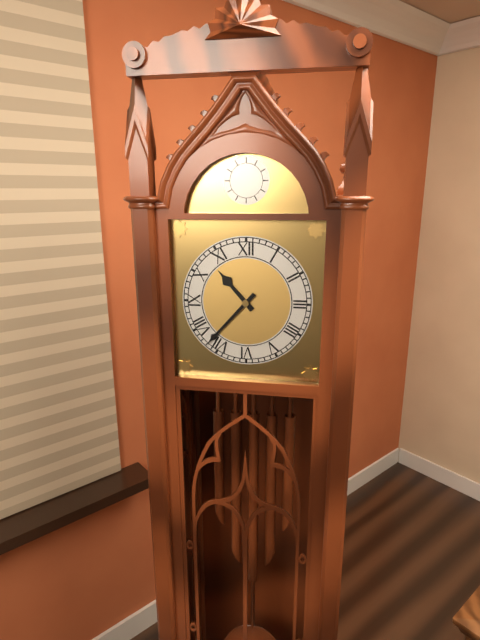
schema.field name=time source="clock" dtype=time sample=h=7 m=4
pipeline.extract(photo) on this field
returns h=10 m=37
